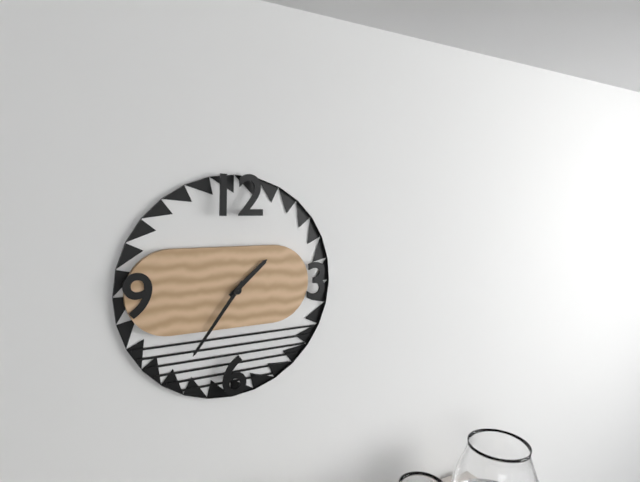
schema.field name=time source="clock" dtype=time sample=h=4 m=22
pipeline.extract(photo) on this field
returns h=1 m=36
